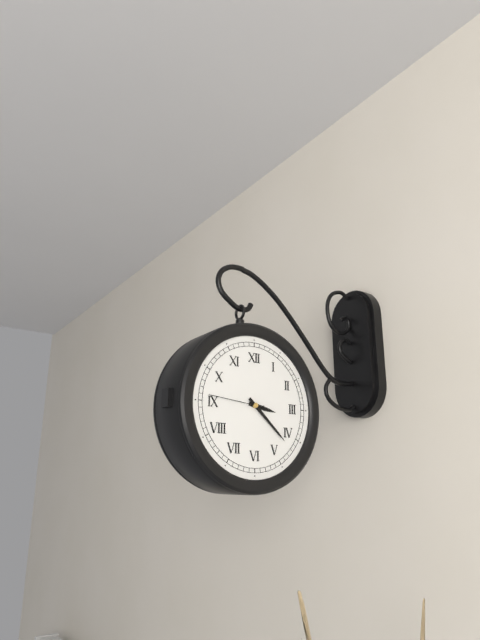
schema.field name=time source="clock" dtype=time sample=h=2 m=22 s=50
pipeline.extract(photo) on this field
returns h=3 m=22 s=46
